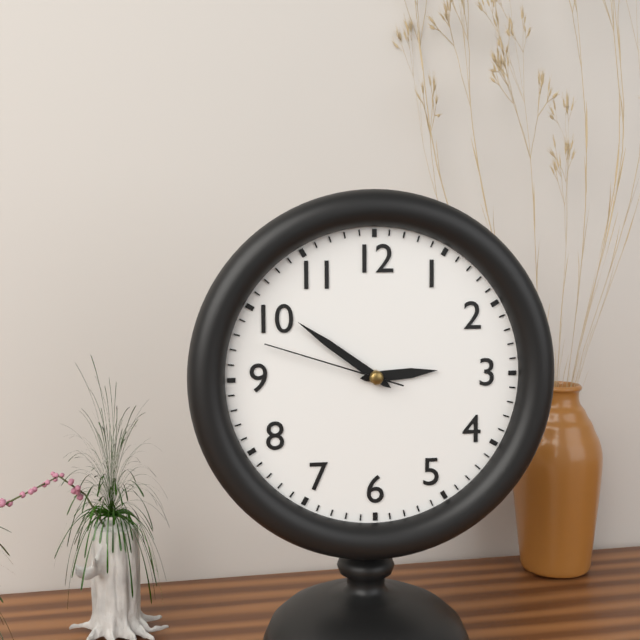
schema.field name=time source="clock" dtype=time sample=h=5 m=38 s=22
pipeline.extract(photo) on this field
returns h=2 m=51 s=48
